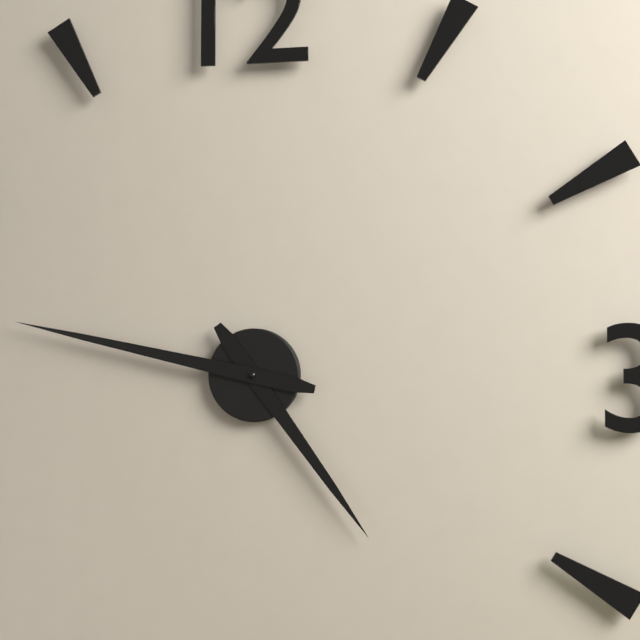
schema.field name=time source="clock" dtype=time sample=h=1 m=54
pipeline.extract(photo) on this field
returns h=4 m=47
